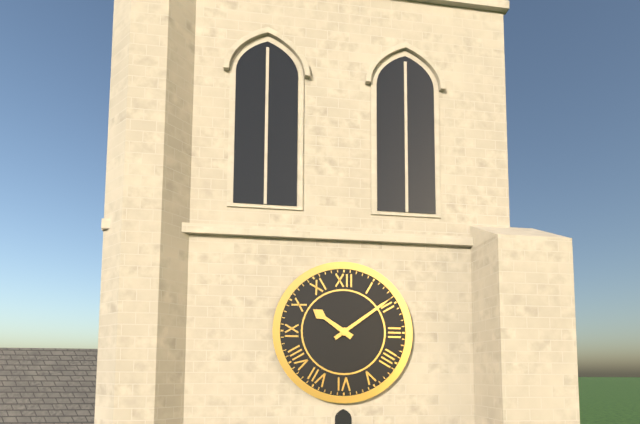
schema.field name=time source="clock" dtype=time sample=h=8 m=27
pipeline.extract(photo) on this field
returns h=10 m=9
